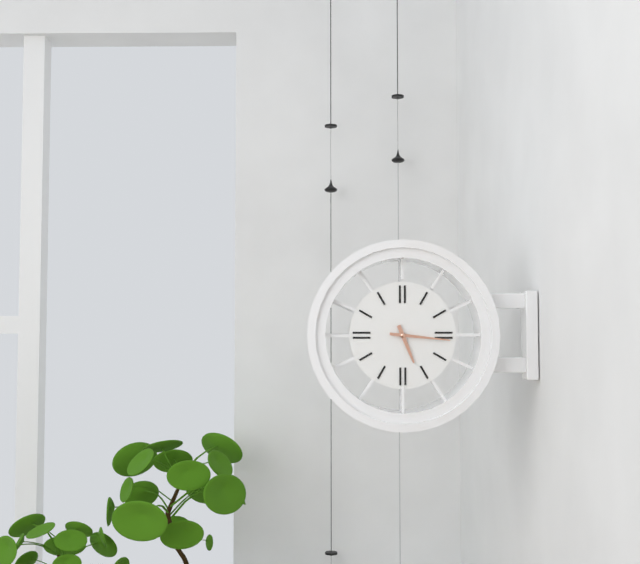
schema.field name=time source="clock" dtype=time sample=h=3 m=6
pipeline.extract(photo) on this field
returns h=5 m=16
